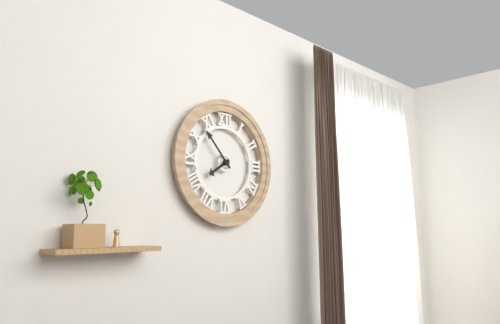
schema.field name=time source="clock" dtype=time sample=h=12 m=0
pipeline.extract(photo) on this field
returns h=7 m=53
